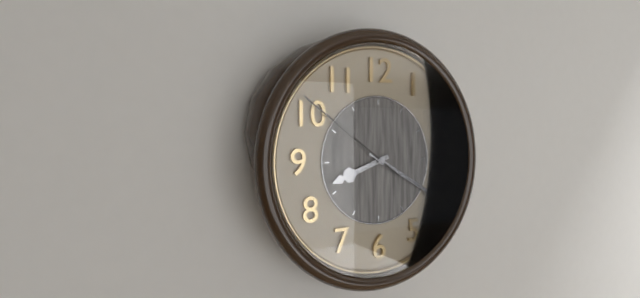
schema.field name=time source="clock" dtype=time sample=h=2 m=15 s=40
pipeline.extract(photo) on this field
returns h=8 m=20 s=51
